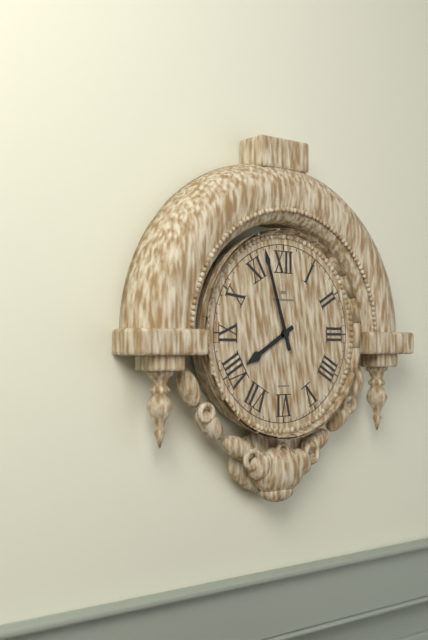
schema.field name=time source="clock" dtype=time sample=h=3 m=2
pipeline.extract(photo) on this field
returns h=7 m=57
